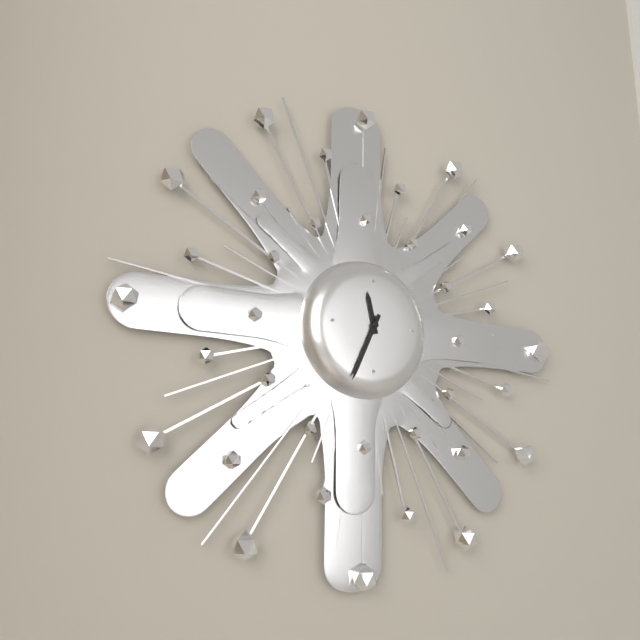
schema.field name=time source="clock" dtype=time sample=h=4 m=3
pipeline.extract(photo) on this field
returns h=11 m=34
